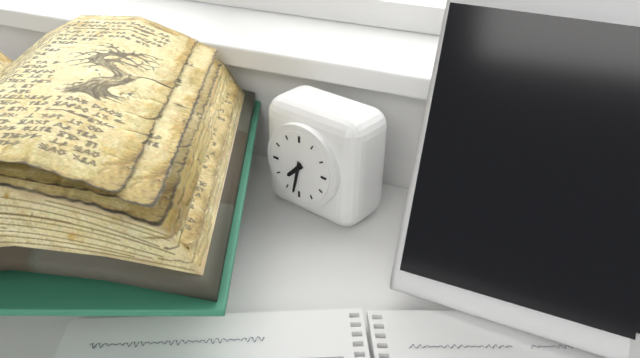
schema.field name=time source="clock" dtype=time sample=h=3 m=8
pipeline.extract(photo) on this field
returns h=7 m=32
